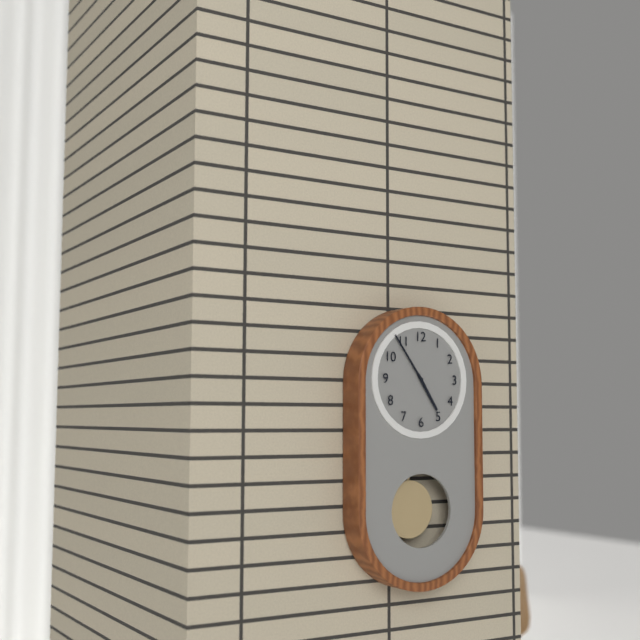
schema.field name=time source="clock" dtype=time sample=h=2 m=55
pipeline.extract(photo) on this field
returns h=4 m=54
